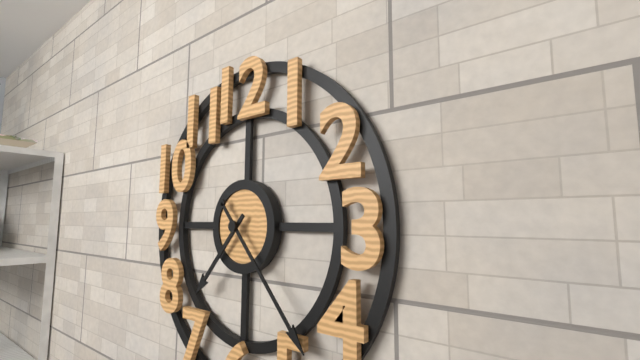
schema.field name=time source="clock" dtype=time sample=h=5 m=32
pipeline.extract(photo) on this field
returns h=7 m=23
